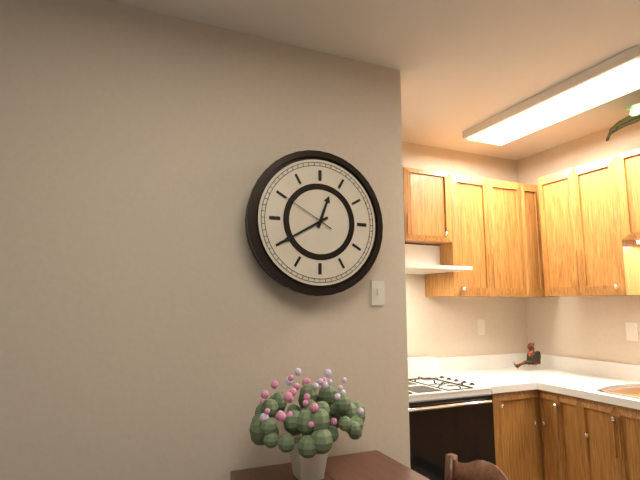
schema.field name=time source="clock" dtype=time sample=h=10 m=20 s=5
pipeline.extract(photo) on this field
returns h=12 m=40 s=50
